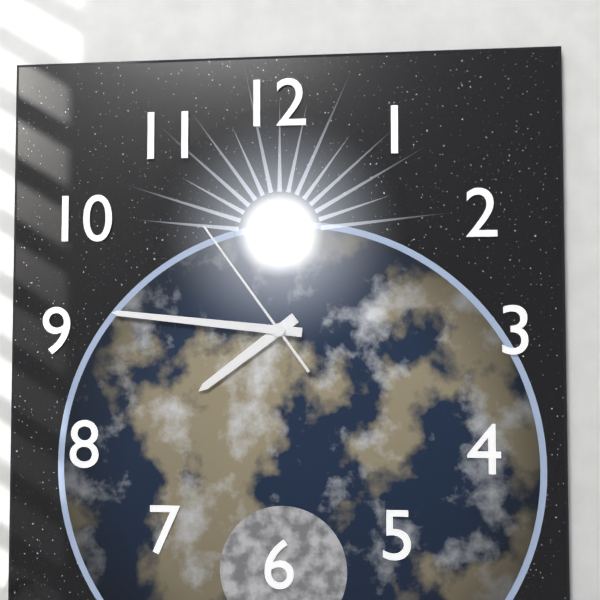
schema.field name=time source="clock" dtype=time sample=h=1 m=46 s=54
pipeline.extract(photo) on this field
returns h=7 m=46 s=54
